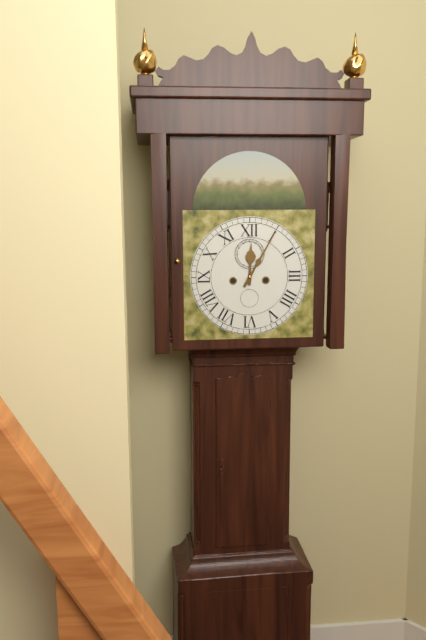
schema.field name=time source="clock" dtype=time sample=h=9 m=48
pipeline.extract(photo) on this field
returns h=12 m=5
